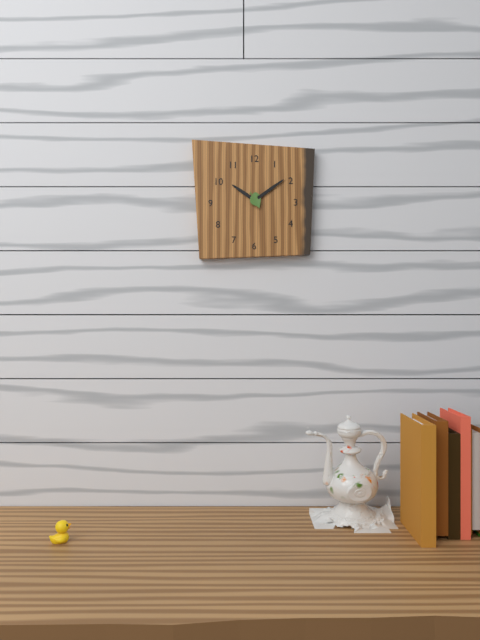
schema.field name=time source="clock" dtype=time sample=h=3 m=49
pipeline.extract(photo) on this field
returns h=10 m=9
